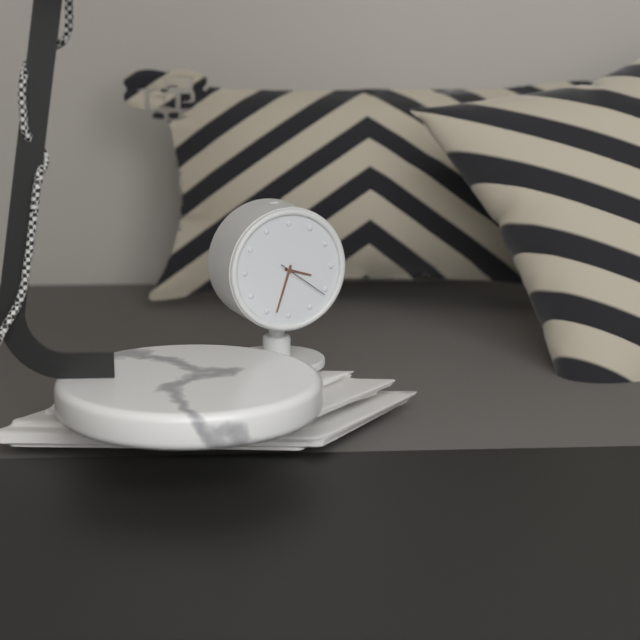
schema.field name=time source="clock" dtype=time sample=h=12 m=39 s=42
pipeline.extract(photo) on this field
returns h=3 m=33 s=21
